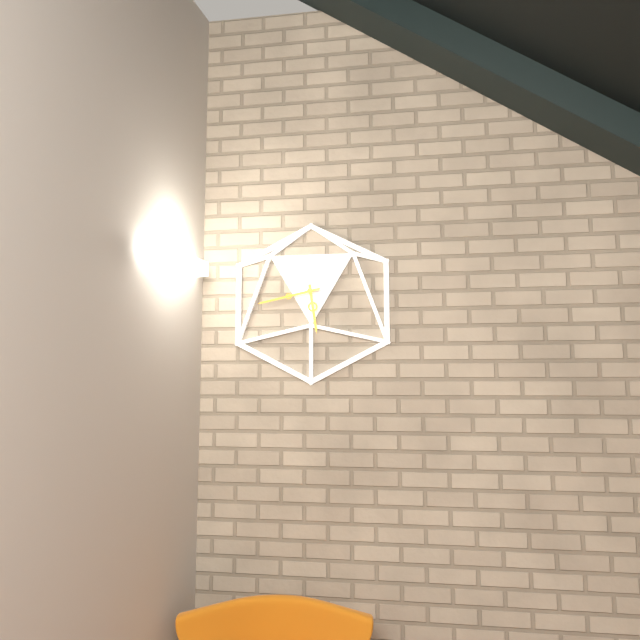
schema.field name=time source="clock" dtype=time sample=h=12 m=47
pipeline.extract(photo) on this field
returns h=5 m=43
